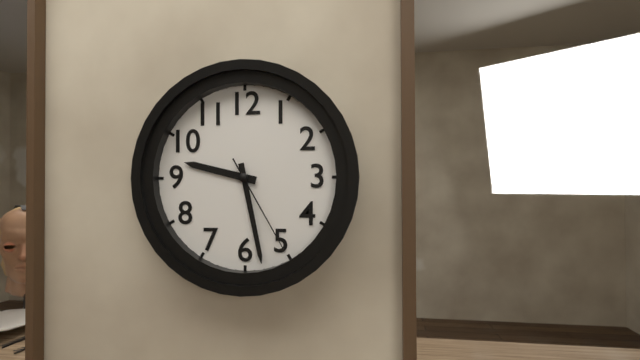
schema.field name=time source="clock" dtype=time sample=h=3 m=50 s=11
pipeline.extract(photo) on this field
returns h=9 m=28 s=25
